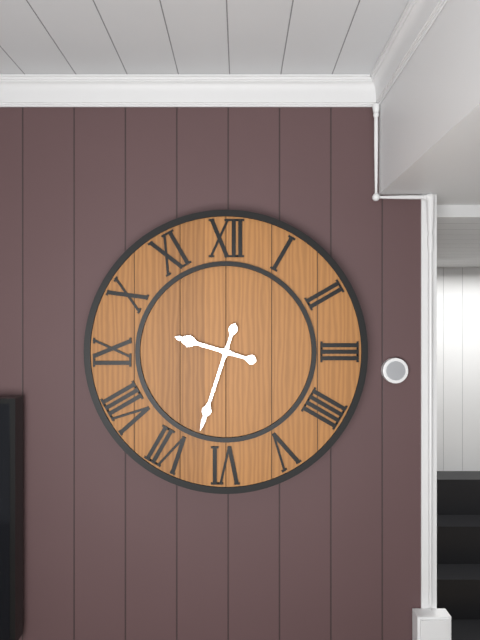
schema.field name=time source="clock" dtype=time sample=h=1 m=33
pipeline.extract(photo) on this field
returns h=9 m=33
